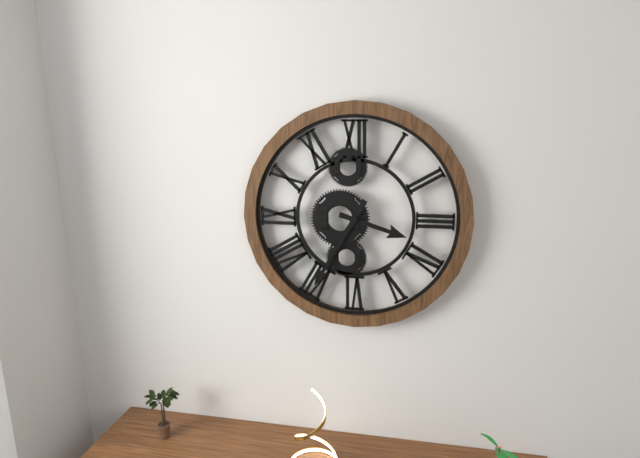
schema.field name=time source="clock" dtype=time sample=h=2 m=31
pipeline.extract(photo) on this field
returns h=3 m=35
